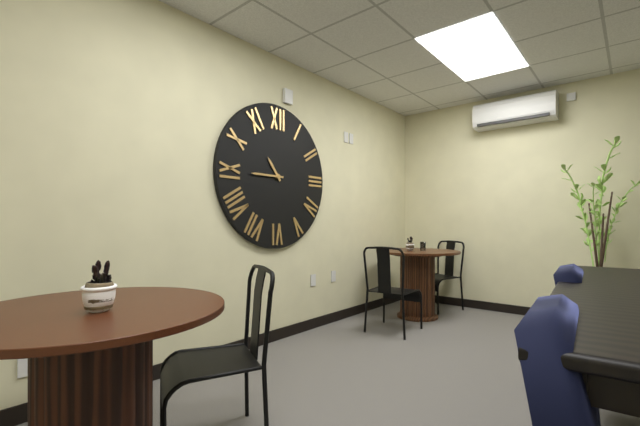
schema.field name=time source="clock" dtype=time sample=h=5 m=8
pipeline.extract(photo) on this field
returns h=10 m=45
